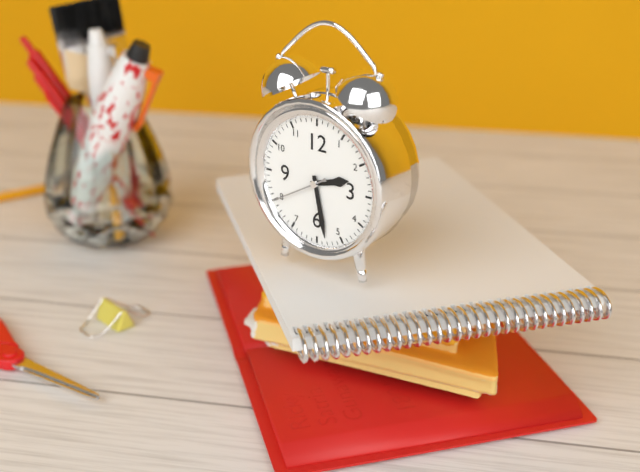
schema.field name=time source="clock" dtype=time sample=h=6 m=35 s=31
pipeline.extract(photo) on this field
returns h=2 m=28 s=40
